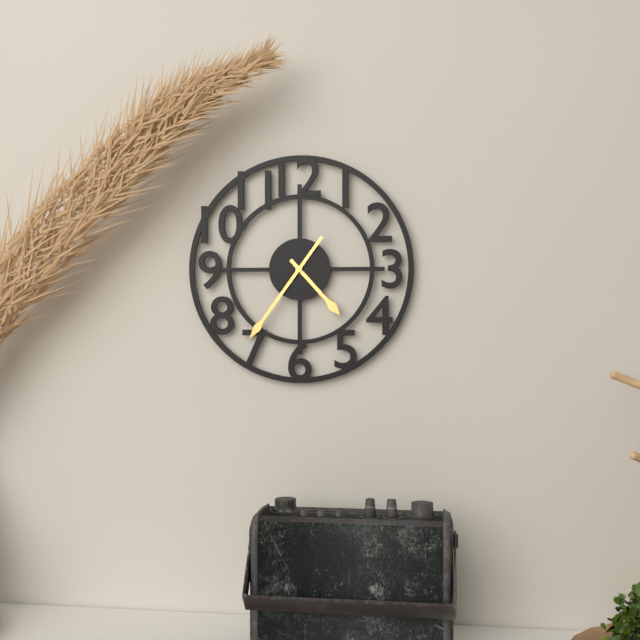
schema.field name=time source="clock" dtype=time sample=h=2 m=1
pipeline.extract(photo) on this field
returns h=4 m=36
